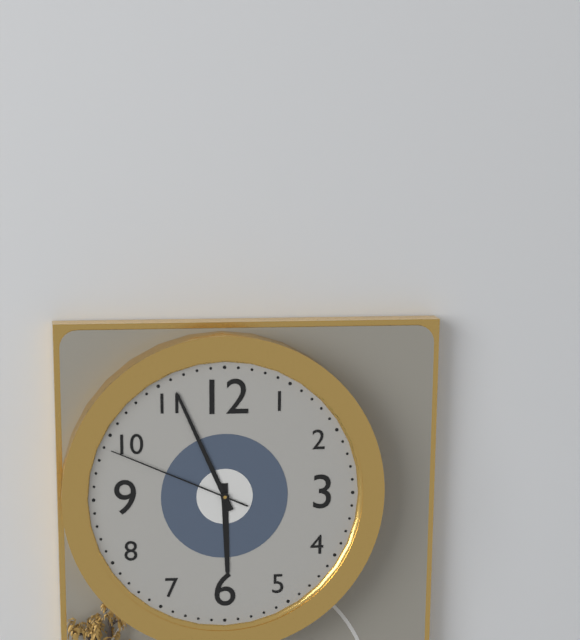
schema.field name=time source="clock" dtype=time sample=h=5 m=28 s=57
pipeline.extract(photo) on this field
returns h=5 m=56 s=49
